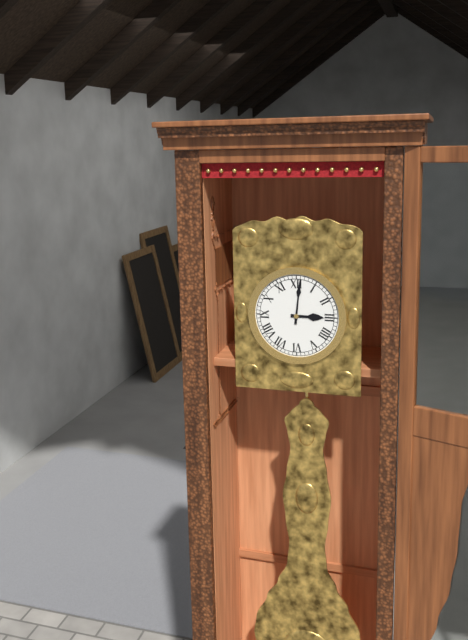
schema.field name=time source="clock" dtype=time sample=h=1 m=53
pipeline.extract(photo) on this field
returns h=3 m=1
